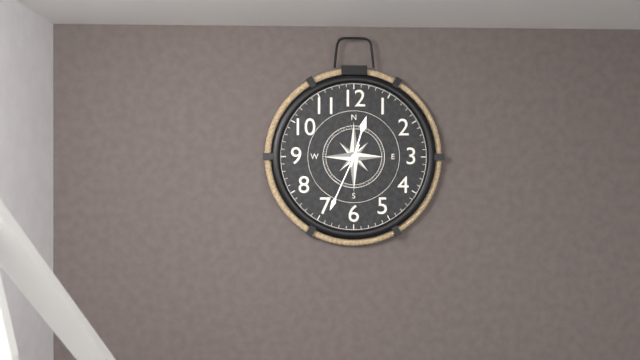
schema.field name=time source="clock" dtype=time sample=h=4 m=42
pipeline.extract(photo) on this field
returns h=12 m=34
